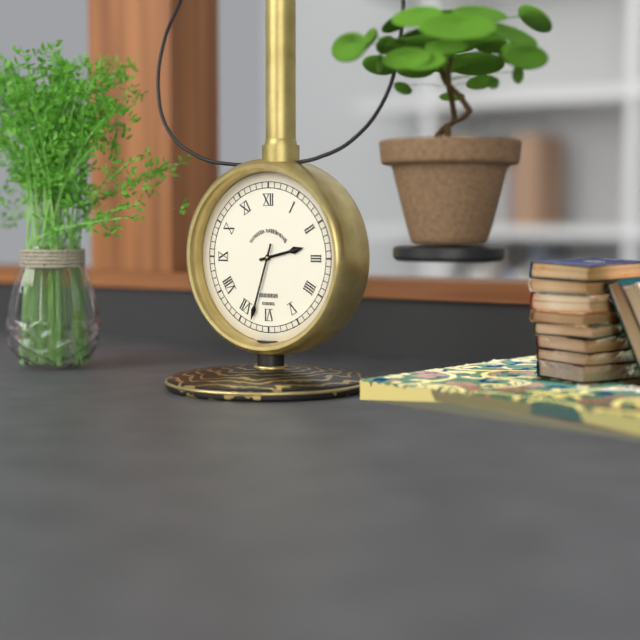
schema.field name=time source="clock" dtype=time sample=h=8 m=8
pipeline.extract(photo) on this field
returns h=2 m=33
